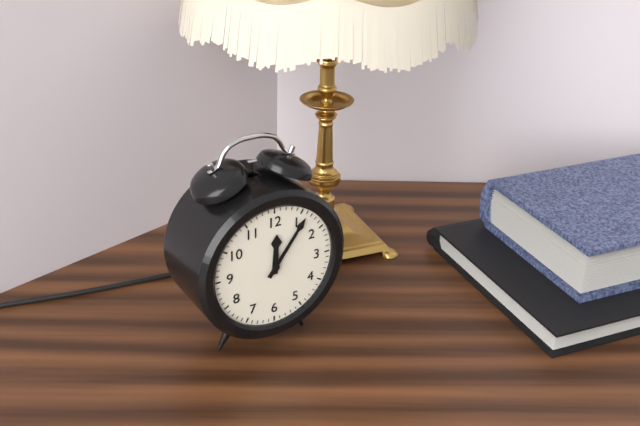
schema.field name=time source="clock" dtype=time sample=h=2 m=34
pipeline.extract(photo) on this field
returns h=12 m=6
